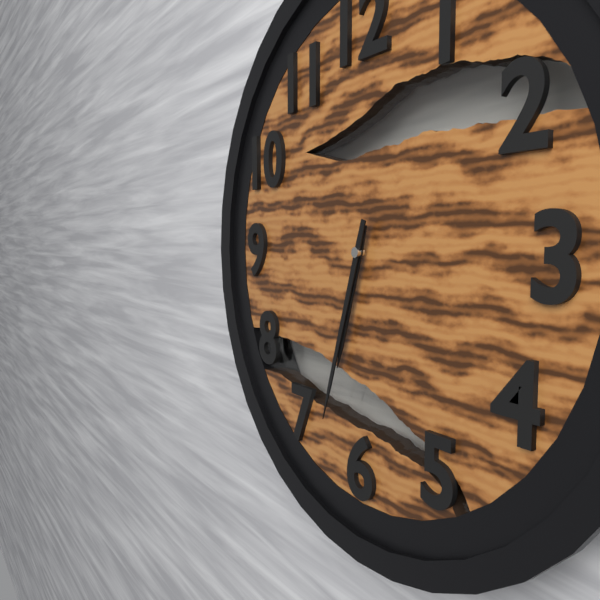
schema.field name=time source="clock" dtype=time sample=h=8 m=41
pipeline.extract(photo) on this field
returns h=6 m=33
